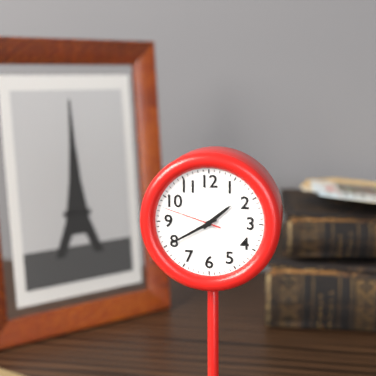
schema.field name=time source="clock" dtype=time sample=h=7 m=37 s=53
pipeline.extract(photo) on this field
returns h=1 m=40 s=48
